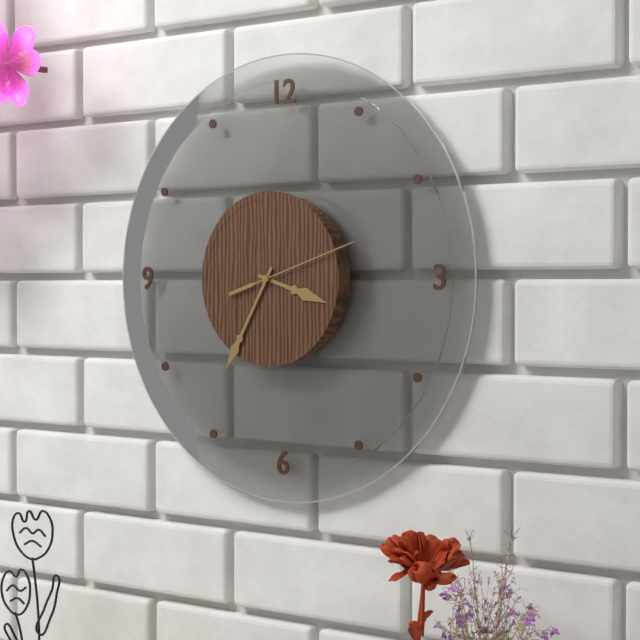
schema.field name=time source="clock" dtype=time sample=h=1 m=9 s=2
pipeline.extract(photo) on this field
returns h=3 m=35 s=12
